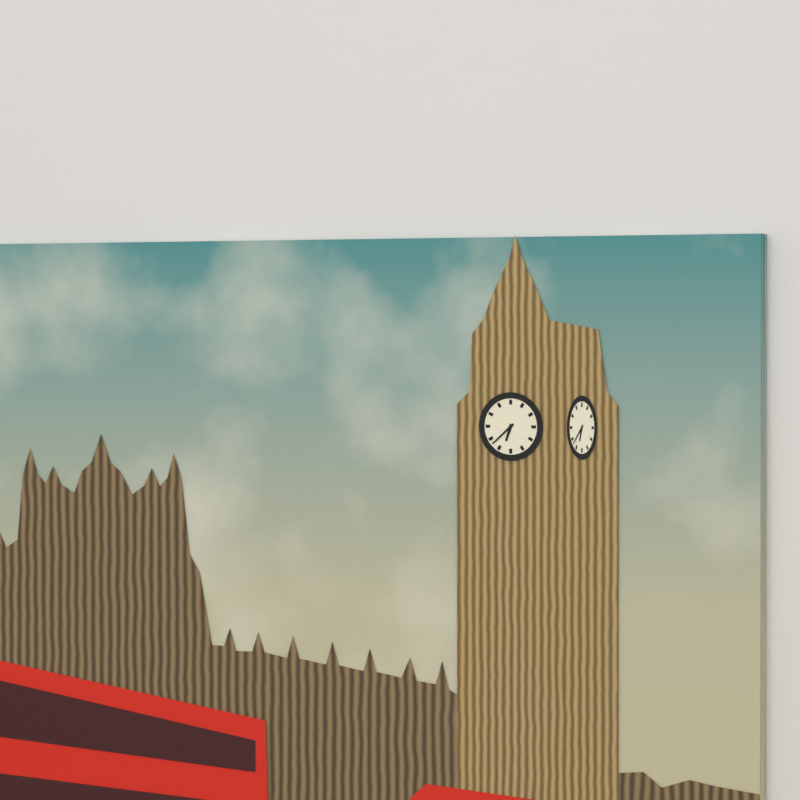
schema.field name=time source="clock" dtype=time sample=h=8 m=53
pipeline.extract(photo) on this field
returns h=6 m=38
